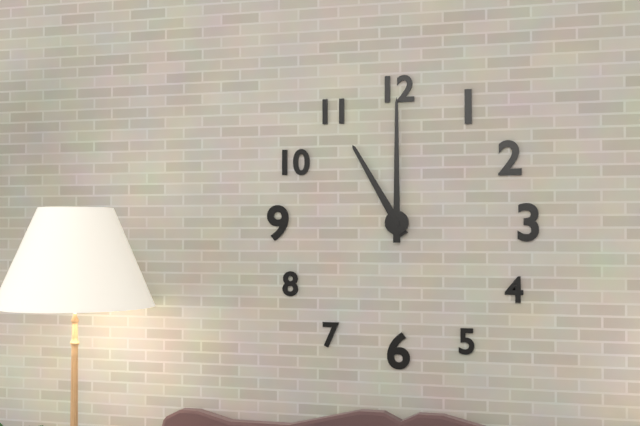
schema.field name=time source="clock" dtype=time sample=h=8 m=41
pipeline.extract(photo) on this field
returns h=11 m=0
